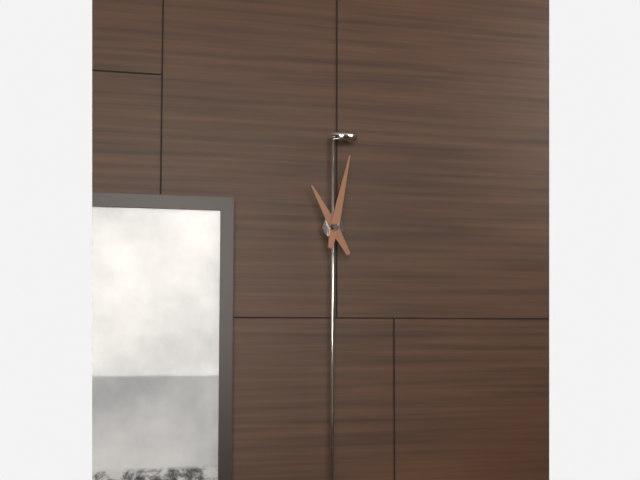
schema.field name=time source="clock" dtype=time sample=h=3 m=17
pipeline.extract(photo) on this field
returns h=11 m=2
